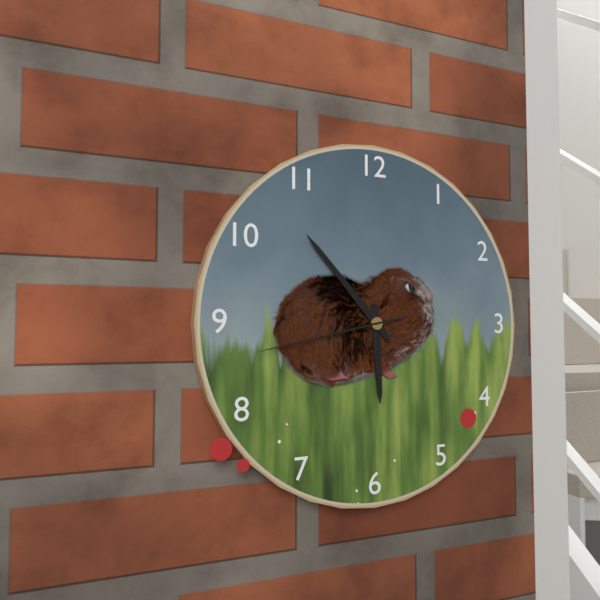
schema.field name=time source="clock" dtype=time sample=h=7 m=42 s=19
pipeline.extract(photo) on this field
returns h=5 m=53 s=43
